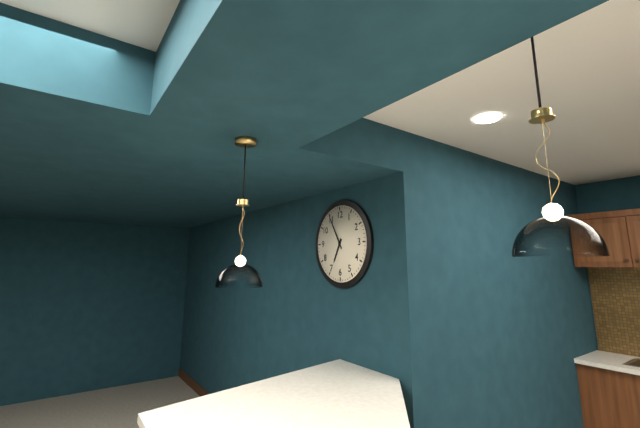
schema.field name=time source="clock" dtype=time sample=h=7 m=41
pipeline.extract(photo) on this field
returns h=6 m=55
